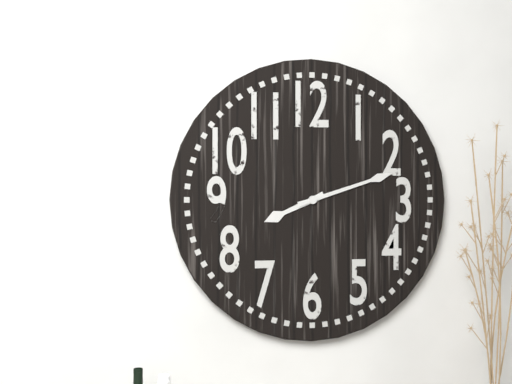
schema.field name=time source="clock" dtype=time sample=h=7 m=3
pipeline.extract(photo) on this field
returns h=8 m=12
